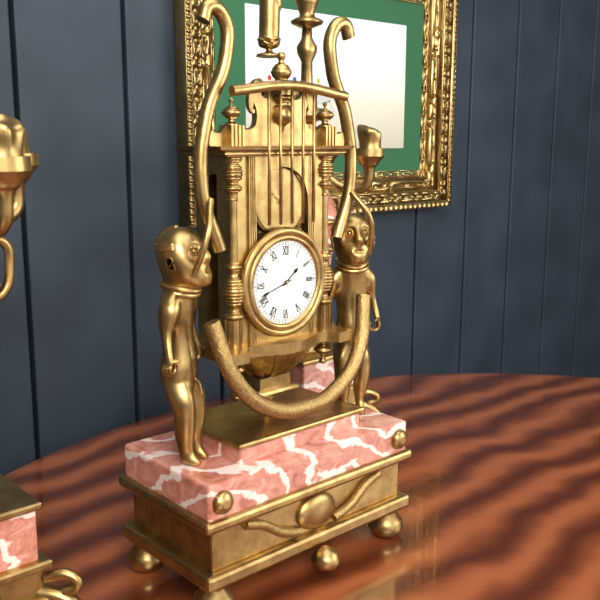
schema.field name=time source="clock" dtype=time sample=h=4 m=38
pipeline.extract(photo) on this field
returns h=1 m=42
